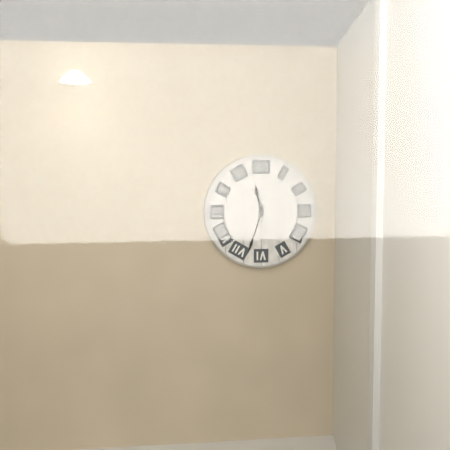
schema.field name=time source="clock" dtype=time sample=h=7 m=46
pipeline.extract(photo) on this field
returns h=11 m=33
